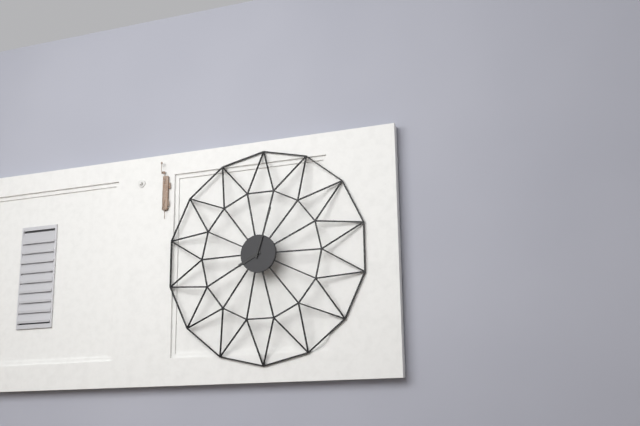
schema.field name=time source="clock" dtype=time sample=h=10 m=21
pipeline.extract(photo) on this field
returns h=8 m=3
